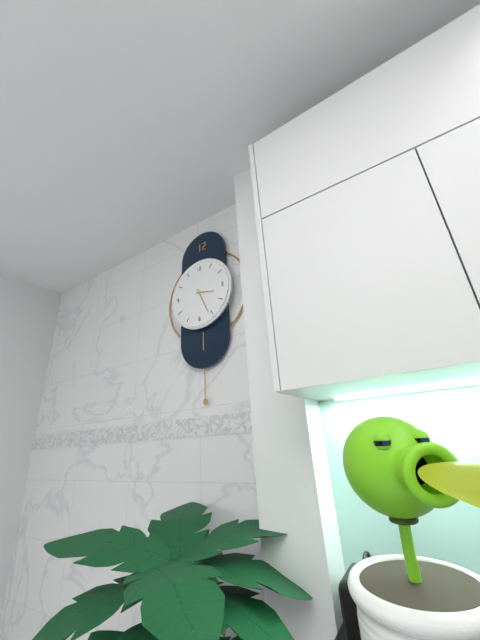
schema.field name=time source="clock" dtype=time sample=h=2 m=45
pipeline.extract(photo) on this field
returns h=3 m=26
